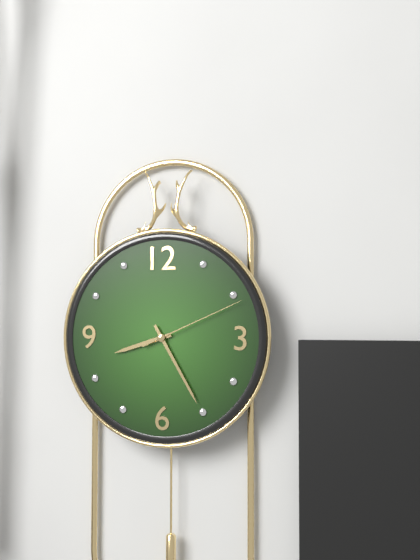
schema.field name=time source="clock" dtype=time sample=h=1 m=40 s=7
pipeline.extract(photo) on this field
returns h=8 m=25 s=11
